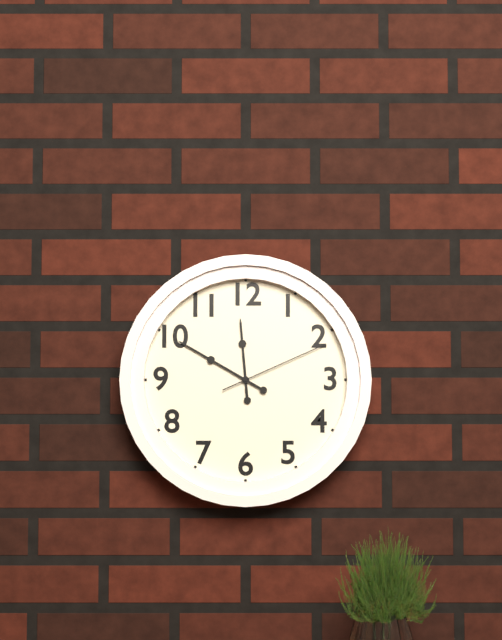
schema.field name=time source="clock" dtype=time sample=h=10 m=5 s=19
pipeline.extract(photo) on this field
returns h=11 m=50 s=11
